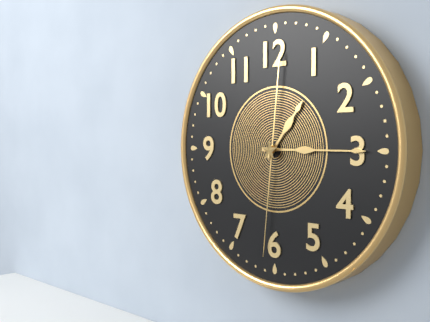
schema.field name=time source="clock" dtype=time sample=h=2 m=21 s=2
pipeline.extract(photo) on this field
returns h=1 m=15 s=31
